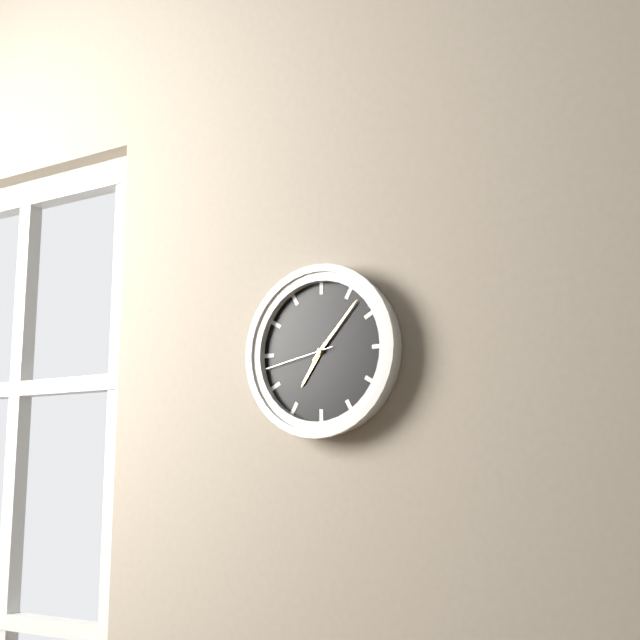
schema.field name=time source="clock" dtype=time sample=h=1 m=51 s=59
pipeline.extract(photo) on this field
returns h=7 m=7 s=43
